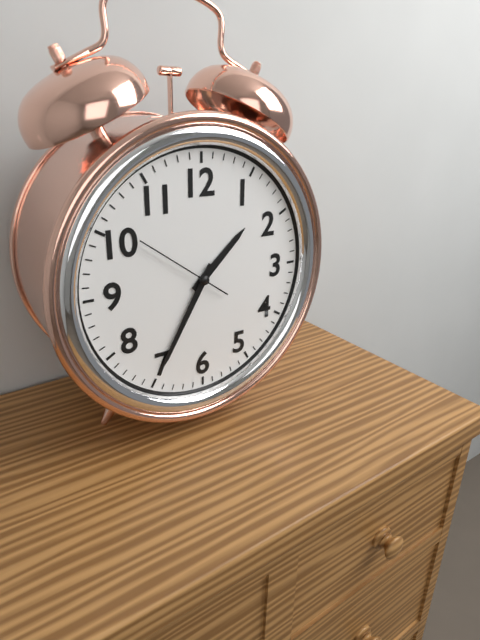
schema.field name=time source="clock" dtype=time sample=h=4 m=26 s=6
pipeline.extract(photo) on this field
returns h=1 m=35 s=51
